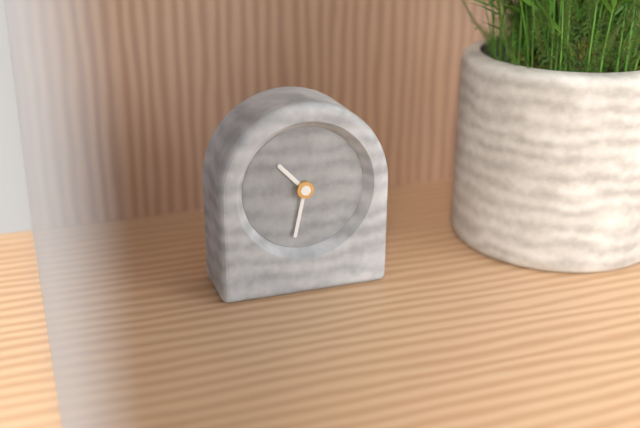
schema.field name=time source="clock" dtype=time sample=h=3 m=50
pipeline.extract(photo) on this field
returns h=10 m=32
